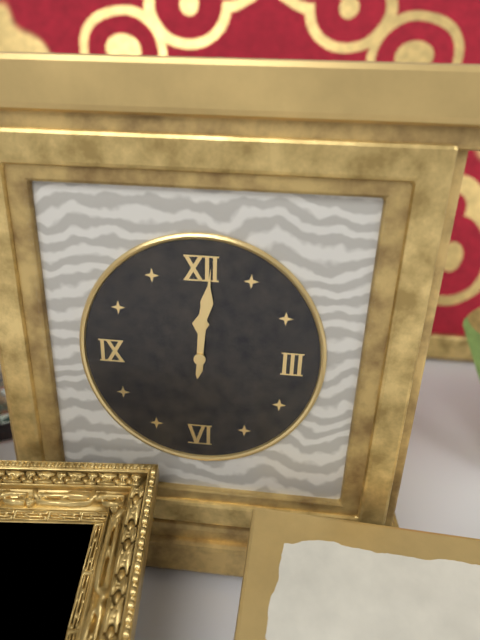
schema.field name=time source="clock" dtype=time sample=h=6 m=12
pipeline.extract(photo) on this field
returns h=12 m=1
